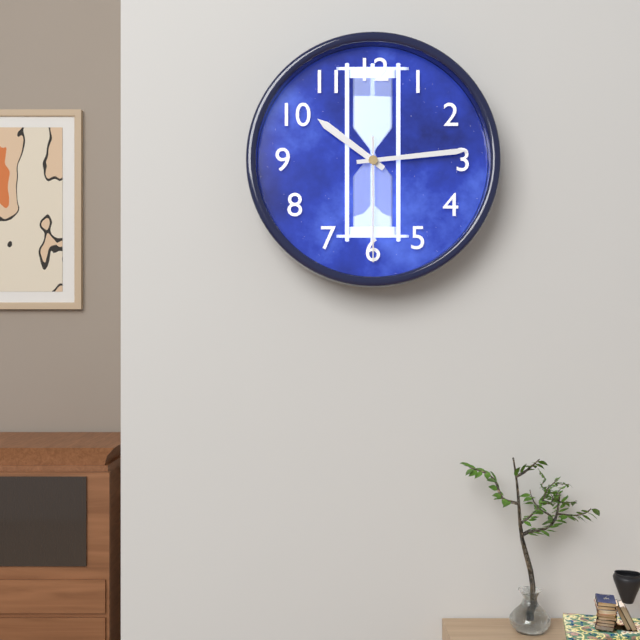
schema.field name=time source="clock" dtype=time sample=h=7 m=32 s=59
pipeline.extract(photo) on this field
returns h=10 m=14 s=30
